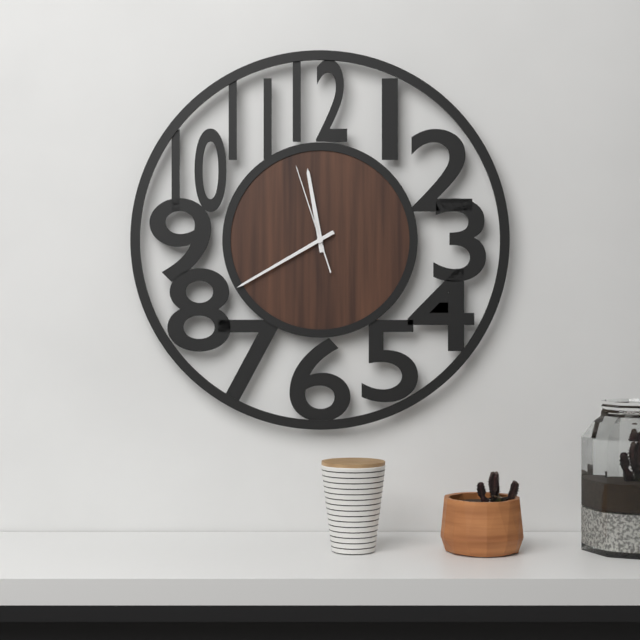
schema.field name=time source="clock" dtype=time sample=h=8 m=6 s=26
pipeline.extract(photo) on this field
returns h=11 m=40 s=57
